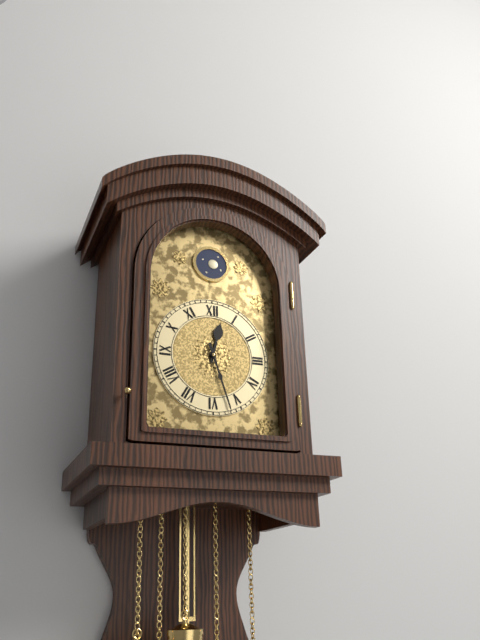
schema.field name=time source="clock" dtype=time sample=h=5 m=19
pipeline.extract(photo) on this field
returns h=12 m=27
